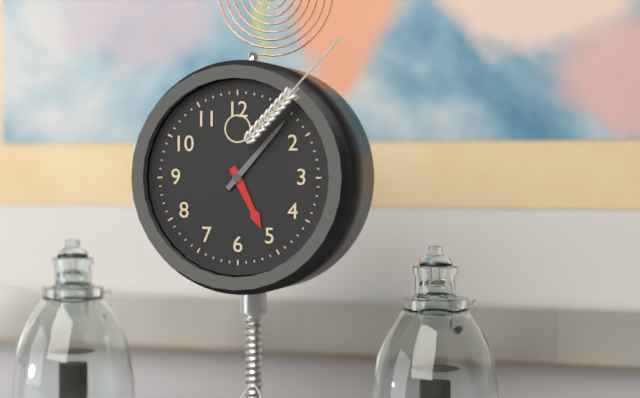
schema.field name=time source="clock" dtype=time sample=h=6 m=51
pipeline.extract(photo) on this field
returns h=5 m=7
